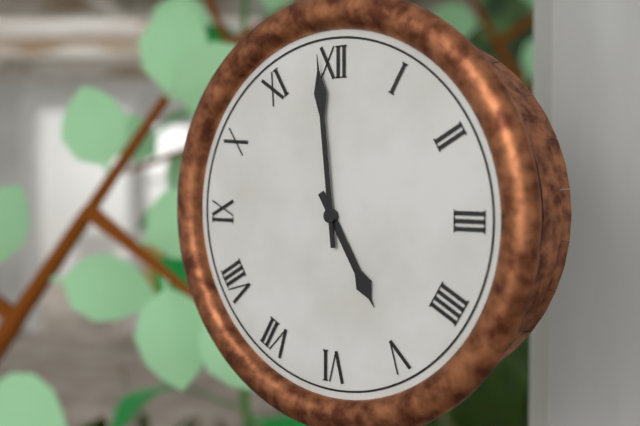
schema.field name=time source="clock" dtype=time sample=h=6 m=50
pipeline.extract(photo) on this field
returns h=4 m=59
